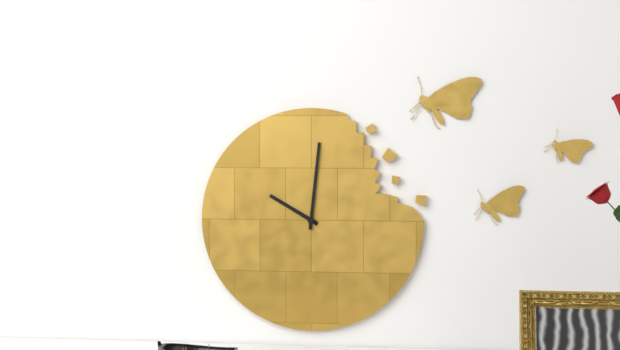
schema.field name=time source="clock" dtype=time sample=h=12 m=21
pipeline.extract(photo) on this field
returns h=10 m=1
